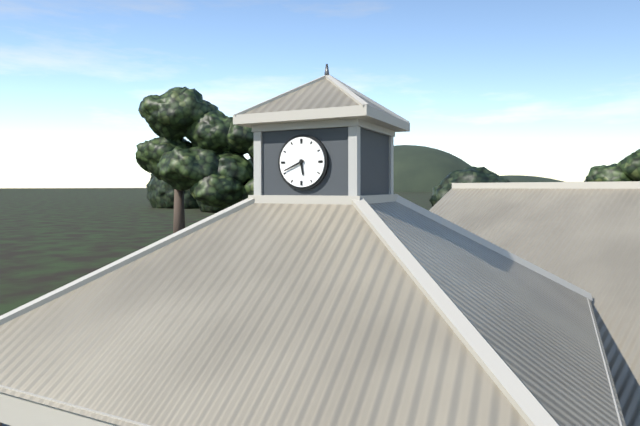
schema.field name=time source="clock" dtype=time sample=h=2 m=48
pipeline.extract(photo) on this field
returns h=5 m=41
